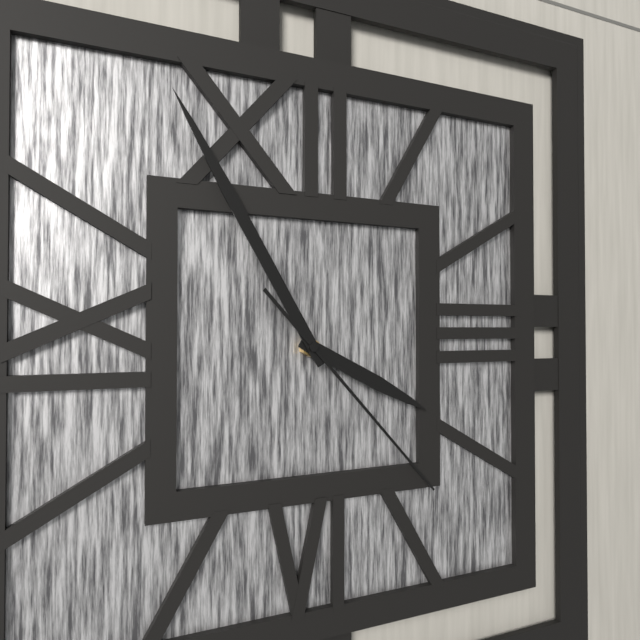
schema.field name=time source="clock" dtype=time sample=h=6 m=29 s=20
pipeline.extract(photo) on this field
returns h=3 m=55 s=23
